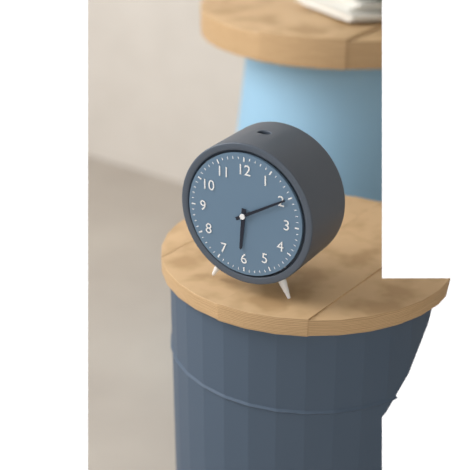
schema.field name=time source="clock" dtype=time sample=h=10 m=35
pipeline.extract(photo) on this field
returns h=6 m=10
